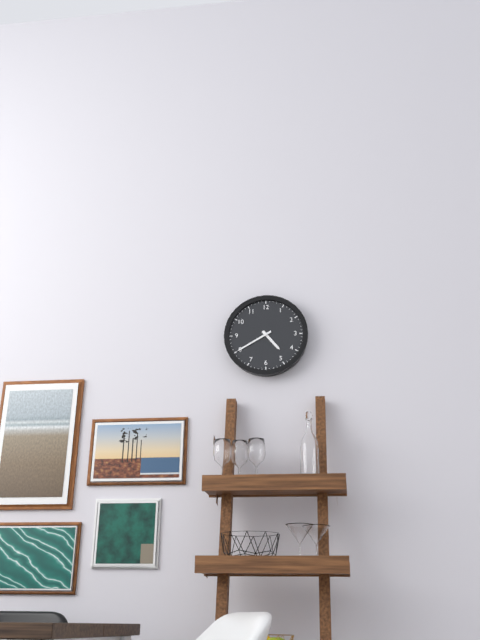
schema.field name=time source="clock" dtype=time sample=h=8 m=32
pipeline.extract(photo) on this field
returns h=4 m=40
